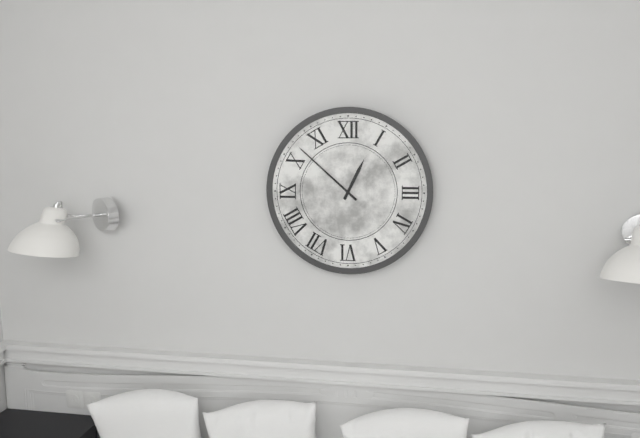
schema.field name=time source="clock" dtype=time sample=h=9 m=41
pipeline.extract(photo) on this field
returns h=12 m=52
